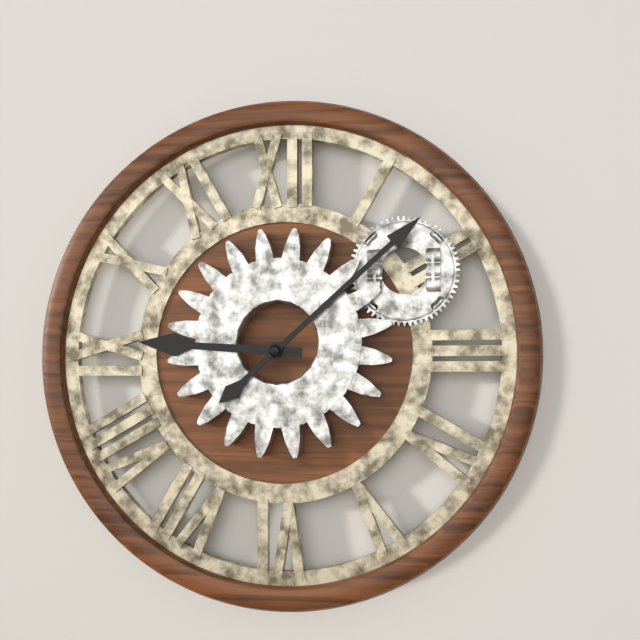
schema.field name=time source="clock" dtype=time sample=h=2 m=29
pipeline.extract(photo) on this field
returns h=9 m=8
